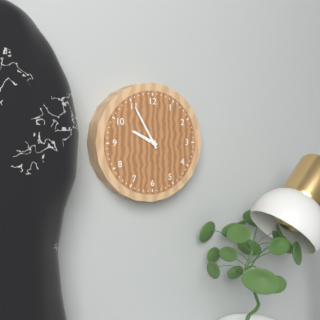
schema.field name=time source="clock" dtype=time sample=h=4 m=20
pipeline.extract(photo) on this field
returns h=9 m=55
